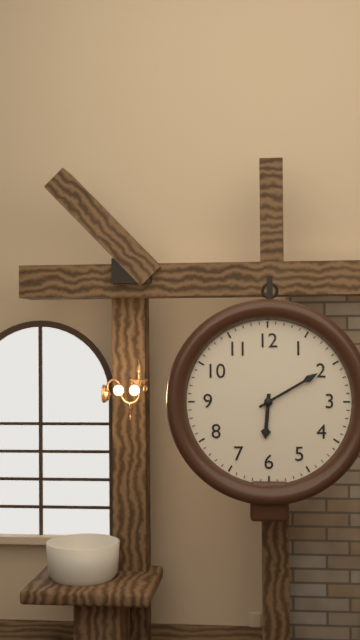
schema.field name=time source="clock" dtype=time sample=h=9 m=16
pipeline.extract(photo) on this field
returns h=6 m=10
